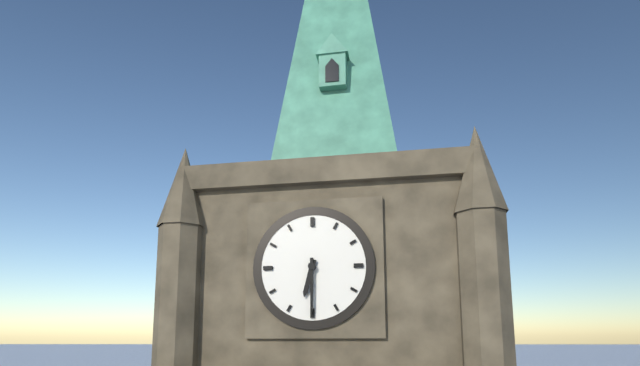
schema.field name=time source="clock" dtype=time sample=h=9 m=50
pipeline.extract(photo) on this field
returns h=6 m=30
